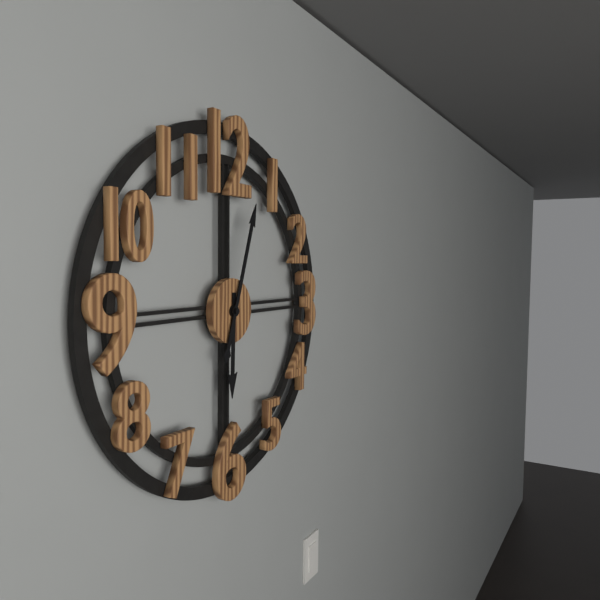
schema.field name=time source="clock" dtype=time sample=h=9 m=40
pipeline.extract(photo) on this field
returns h=6 m=3
